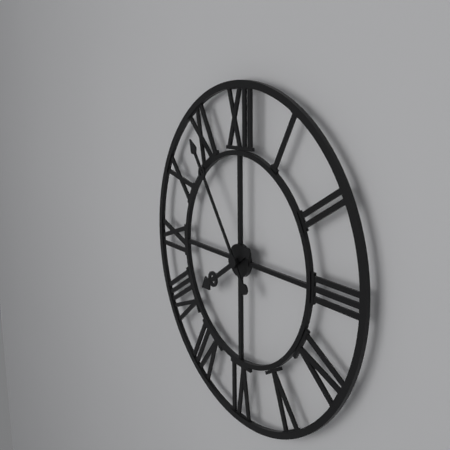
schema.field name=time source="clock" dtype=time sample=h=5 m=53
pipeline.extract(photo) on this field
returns h=7 m=54
